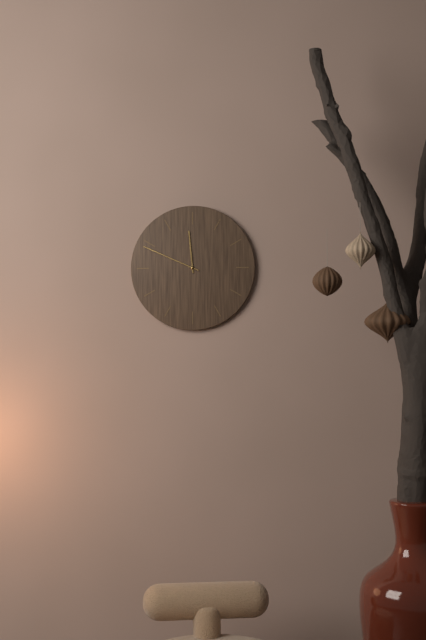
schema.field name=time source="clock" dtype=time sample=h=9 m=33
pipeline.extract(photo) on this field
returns h=11 m=49
